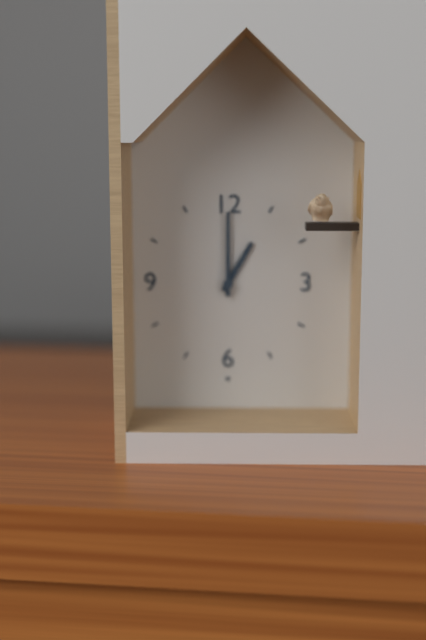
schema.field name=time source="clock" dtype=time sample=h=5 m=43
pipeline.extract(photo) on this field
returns h=1 m=0
